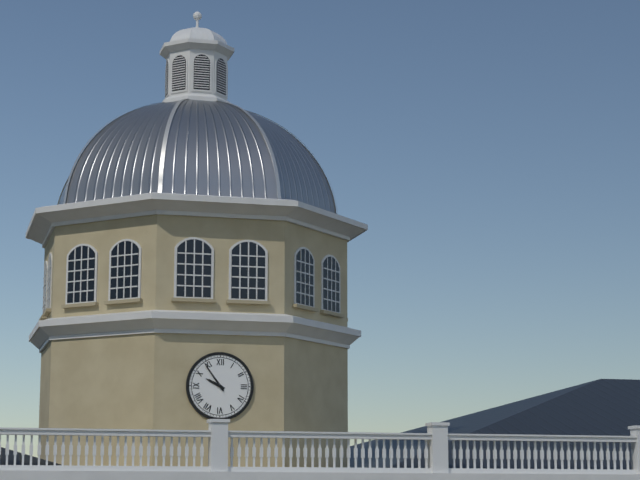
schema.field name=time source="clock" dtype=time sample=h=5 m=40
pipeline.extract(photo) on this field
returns h=9 m=54
